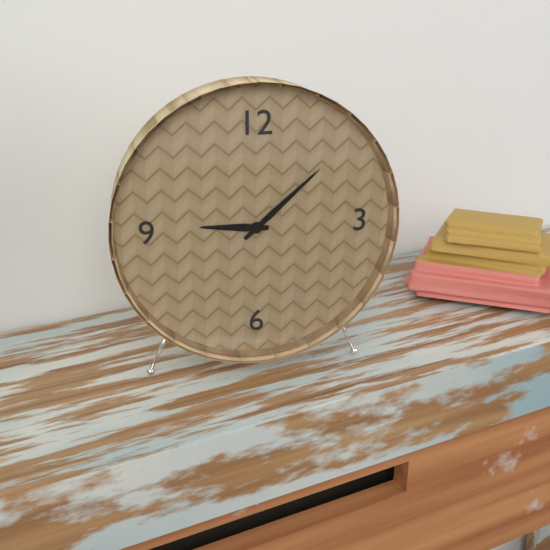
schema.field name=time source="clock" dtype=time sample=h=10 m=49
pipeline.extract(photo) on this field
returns h=9 m=8
